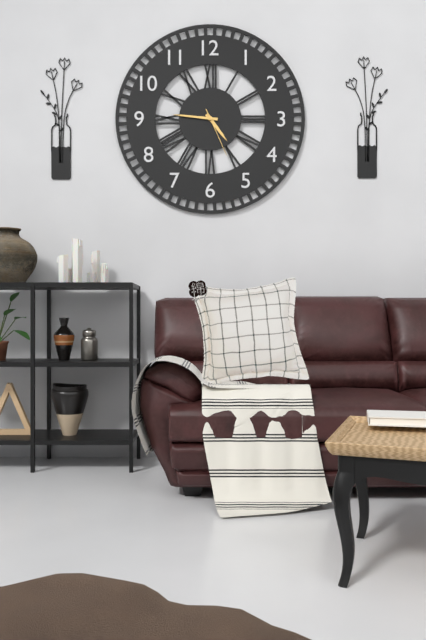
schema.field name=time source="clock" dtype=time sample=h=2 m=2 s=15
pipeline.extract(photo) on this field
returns h=4 m=46 s=26
